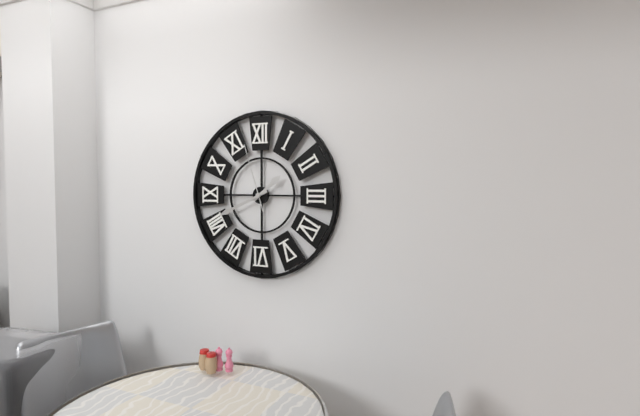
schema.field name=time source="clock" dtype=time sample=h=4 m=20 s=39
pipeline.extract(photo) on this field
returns h=1 m=41 s=57
